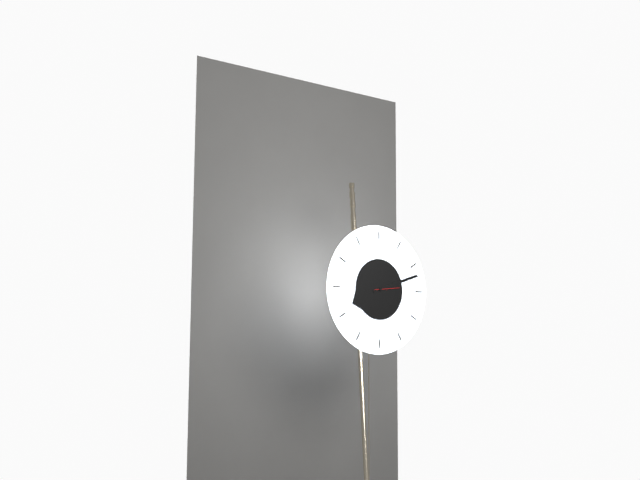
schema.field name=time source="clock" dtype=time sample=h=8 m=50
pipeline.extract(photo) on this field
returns h=8 m=12
